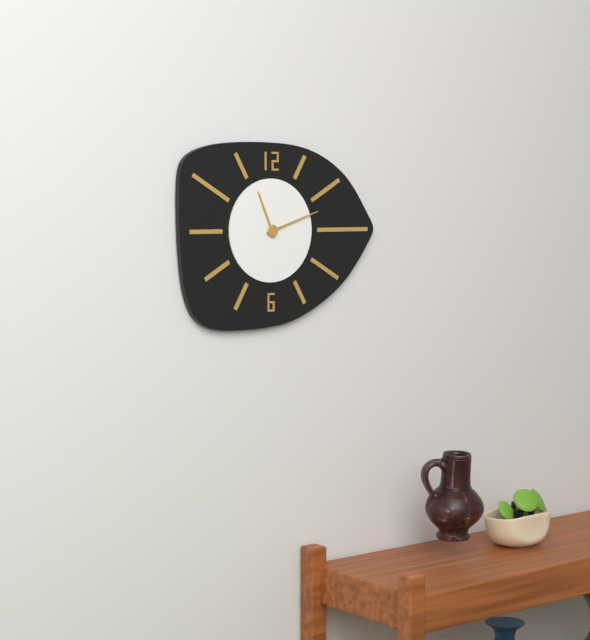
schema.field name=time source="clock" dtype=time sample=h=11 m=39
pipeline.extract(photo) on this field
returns h=11 m=12
